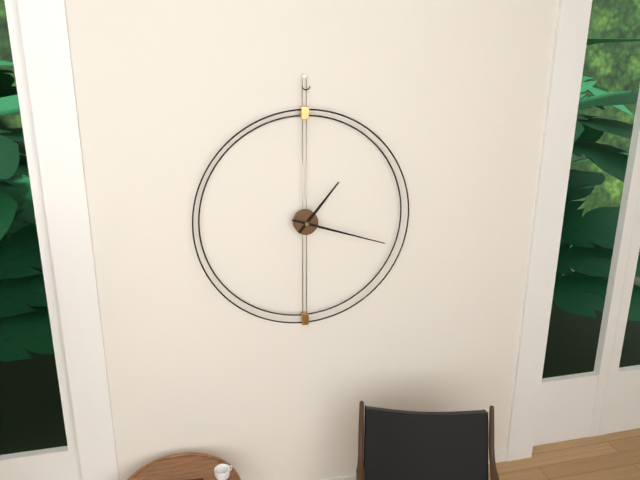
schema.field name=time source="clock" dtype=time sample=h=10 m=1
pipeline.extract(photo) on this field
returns h=1 m=18
